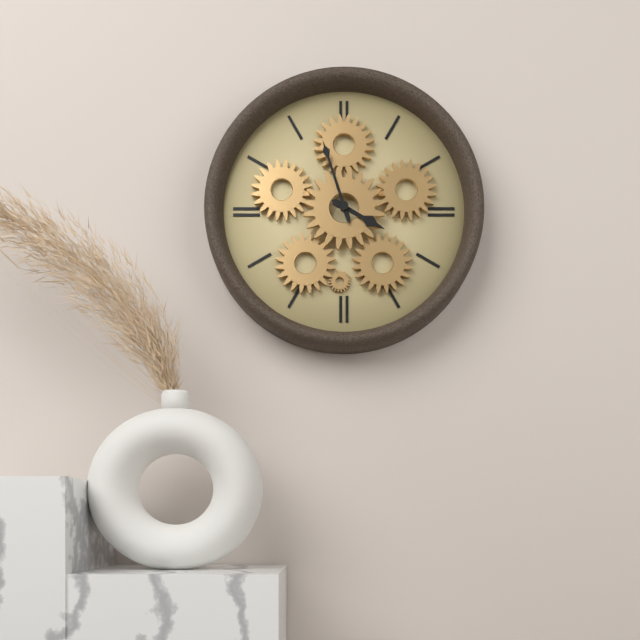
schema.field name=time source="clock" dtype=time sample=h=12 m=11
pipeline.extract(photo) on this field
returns h=3 m=57
